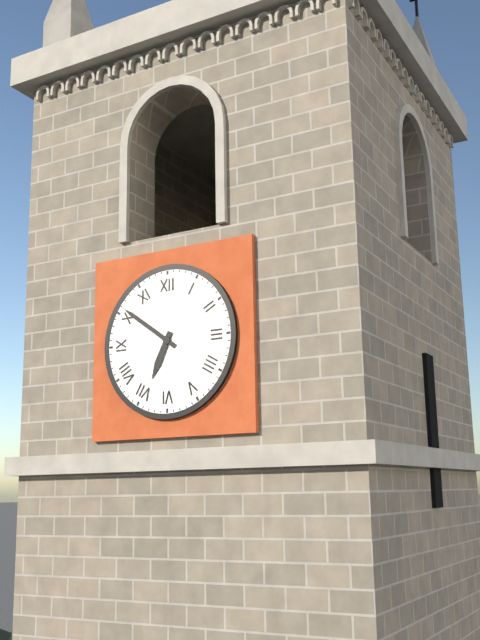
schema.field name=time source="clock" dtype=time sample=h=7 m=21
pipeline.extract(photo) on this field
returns h=6 m=51
